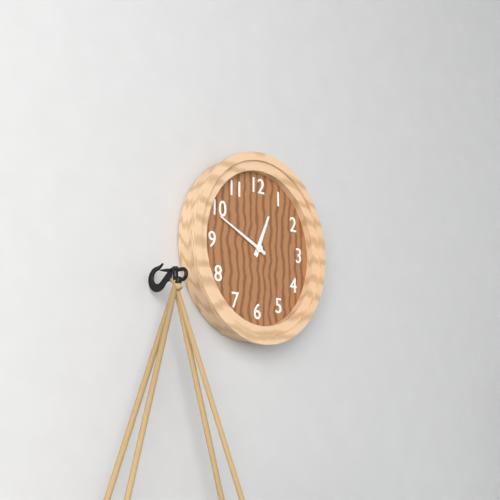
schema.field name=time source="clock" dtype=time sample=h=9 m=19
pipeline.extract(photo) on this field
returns h=12 m=49
